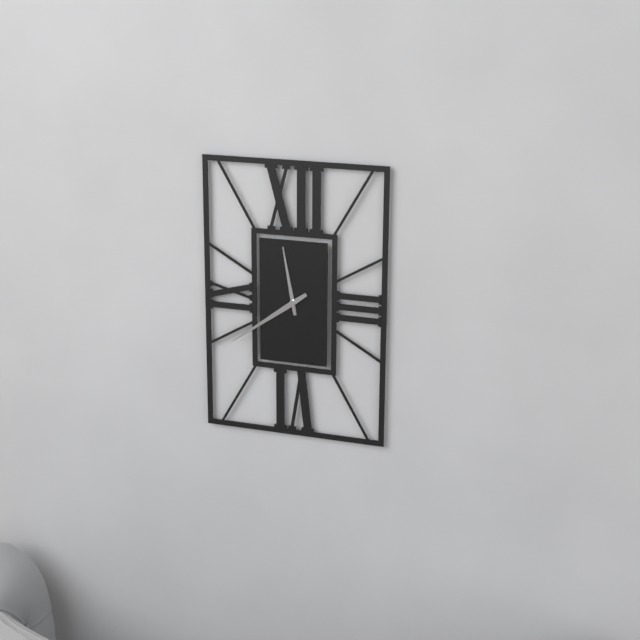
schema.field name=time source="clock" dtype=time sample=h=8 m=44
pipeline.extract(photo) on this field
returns h=11 m=39
